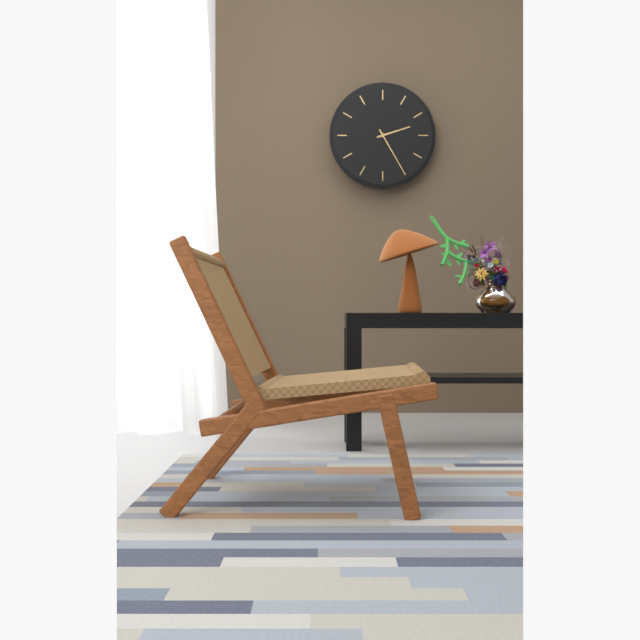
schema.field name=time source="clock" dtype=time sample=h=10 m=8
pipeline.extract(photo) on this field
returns h=2 m=25
